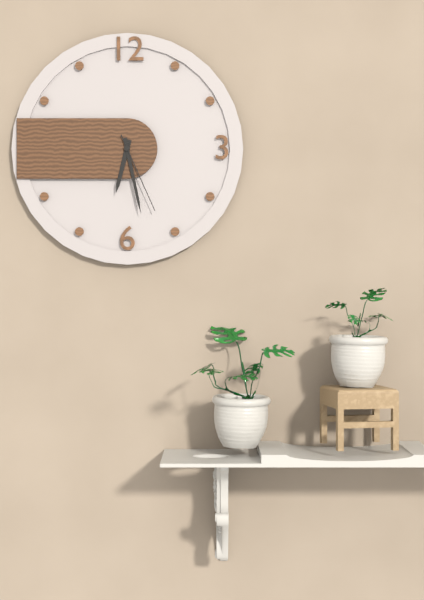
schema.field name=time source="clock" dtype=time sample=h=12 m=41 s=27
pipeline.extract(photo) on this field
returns h=6 m=28 s=26
